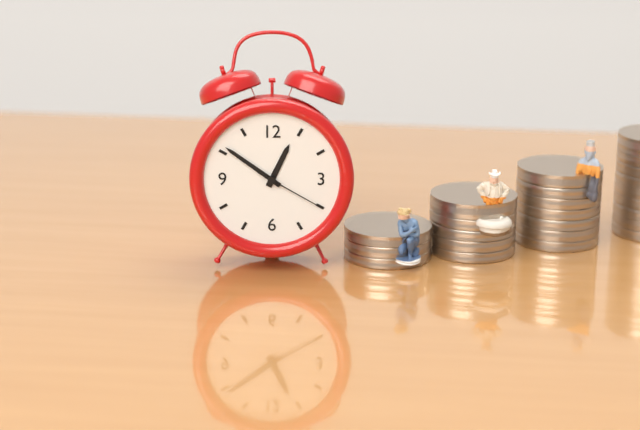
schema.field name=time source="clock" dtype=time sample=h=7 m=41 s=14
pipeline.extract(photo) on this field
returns h=12 m=51 s=20
